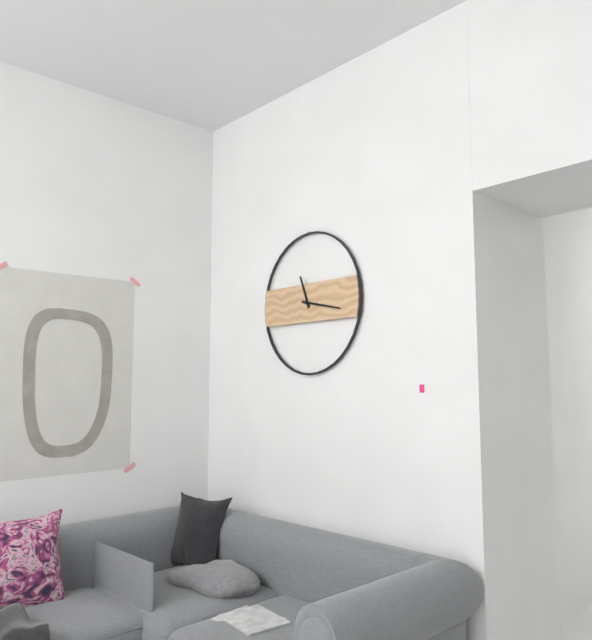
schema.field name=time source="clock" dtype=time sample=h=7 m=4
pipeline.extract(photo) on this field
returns h=11 m=17
